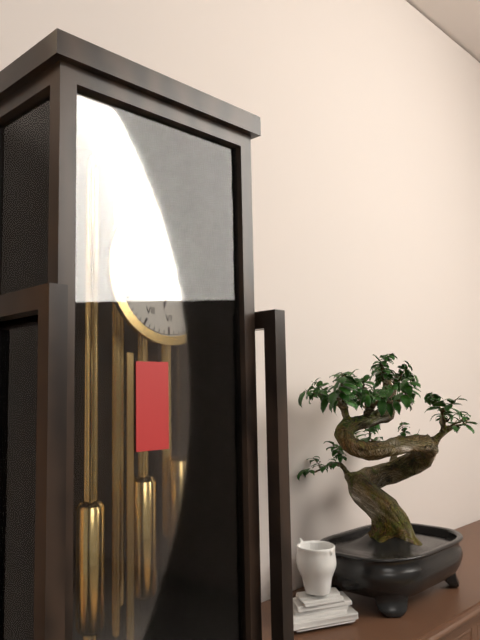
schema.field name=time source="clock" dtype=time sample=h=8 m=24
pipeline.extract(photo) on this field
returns h=6 m=20
